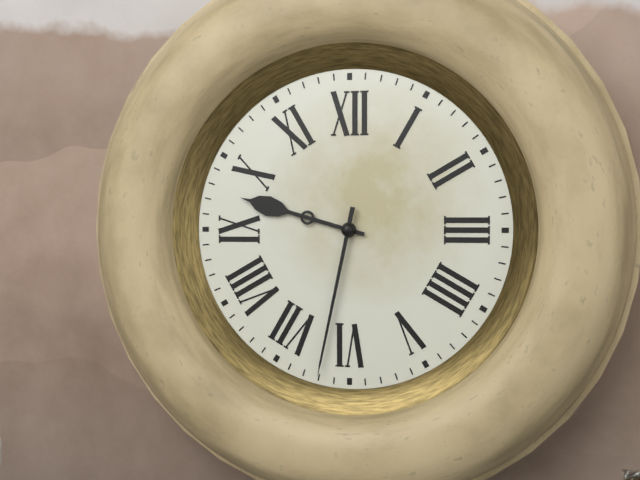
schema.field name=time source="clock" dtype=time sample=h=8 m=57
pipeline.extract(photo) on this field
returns h=9 m=32
